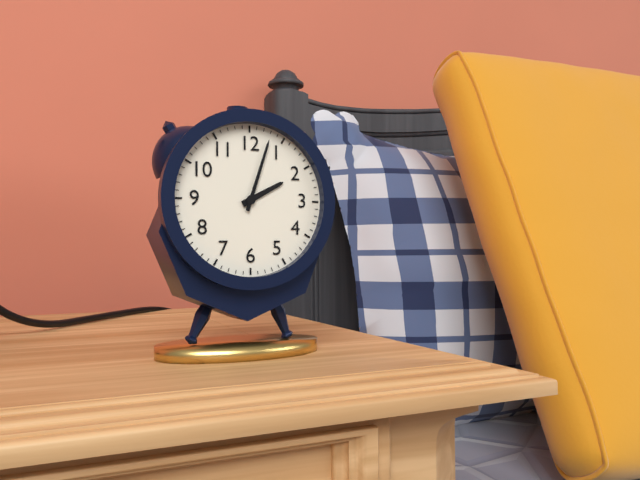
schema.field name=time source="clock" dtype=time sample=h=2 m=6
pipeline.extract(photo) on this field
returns h=2 m=3
